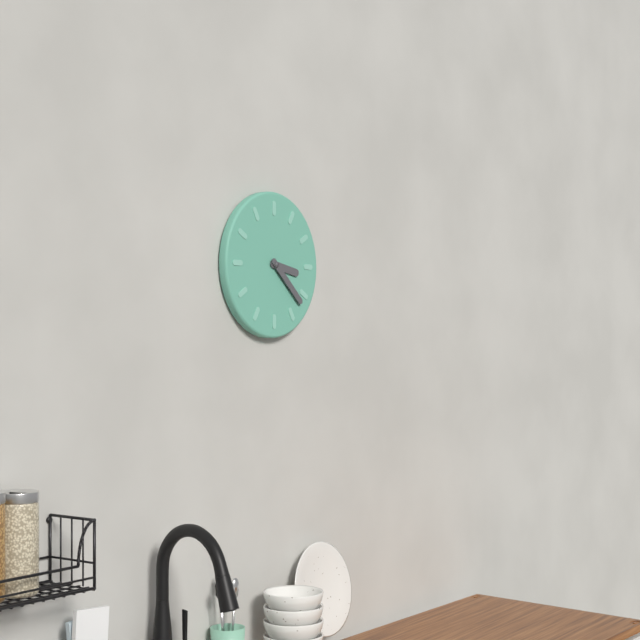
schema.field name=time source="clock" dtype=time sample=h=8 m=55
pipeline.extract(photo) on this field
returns h=3 m=22
